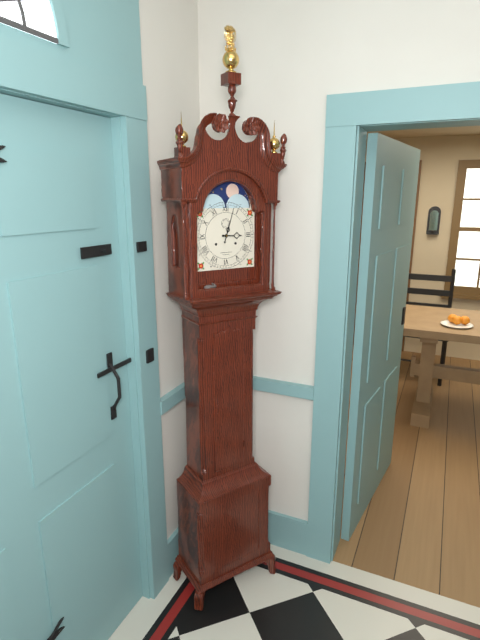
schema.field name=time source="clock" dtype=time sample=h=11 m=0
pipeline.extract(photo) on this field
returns h=3 m=3
